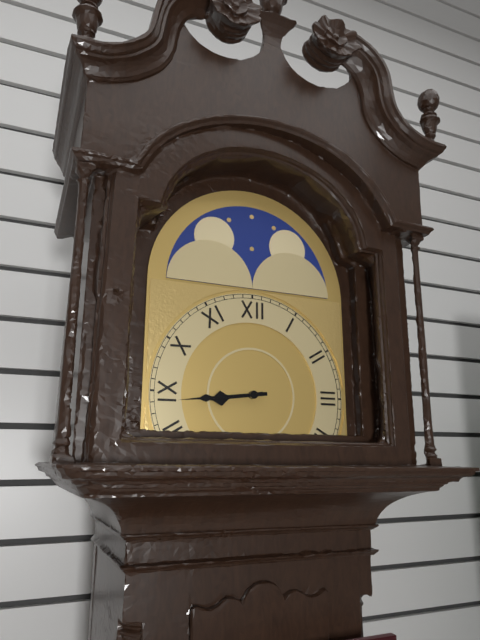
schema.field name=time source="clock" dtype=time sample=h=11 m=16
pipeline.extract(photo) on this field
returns h=8 m=44
